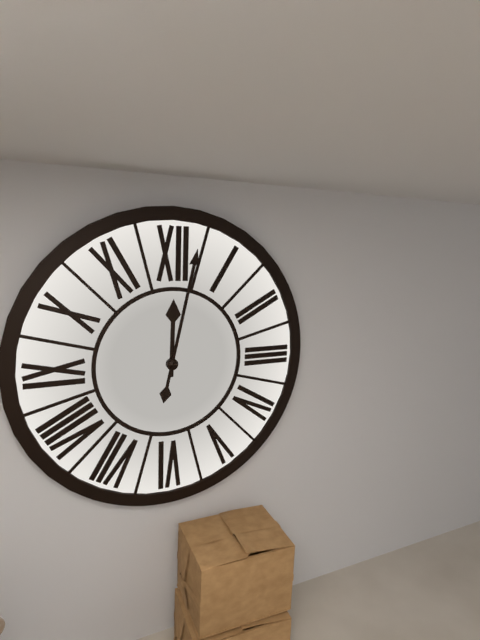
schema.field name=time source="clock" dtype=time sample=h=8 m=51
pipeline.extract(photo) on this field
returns h=12 m=2
